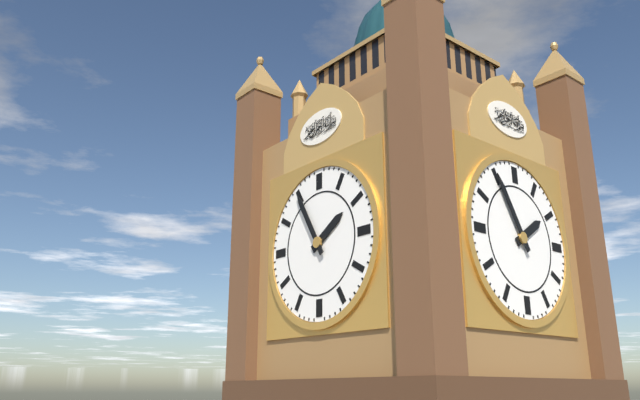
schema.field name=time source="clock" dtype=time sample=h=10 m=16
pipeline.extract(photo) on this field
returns h=1 m=55
